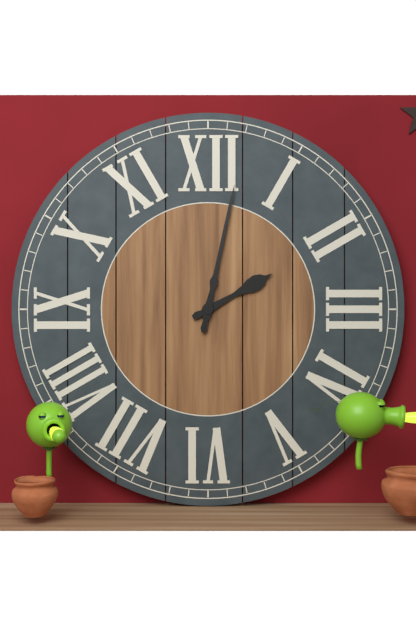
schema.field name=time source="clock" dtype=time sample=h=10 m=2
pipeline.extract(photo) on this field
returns h=2 m=2
